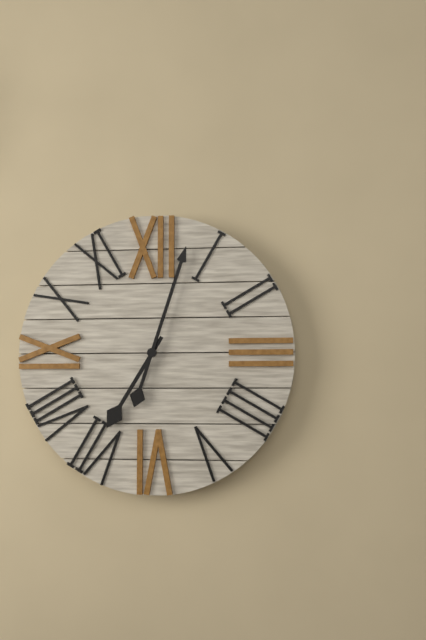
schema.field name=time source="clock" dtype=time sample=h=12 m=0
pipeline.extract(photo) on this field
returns h=7 m=3
